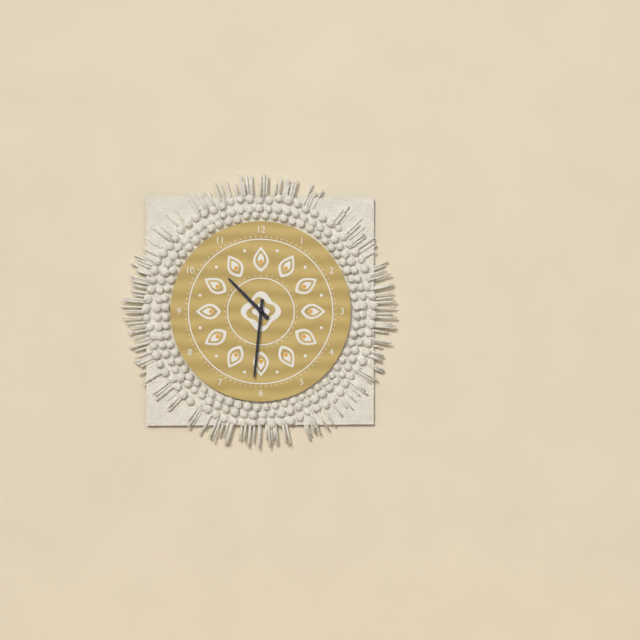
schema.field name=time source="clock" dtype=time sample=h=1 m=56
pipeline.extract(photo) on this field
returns h=10 m=31
